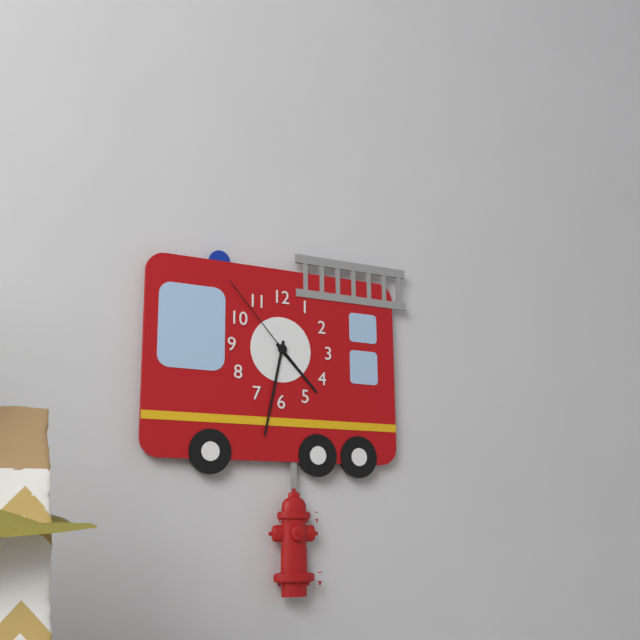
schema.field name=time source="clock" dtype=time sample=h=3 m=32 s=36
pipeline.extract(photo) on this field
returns h=4 m=32 s=53
